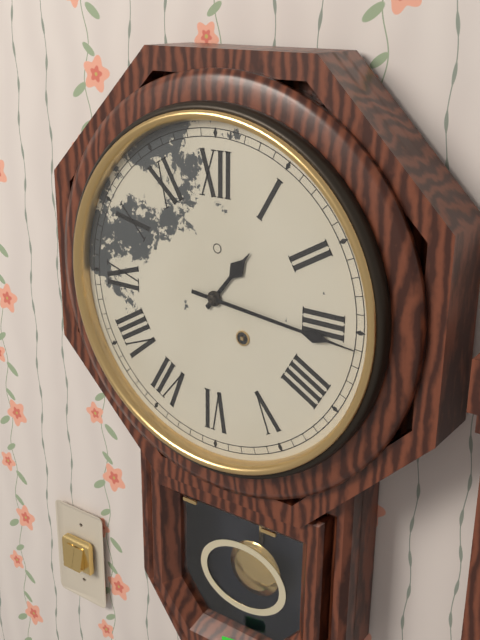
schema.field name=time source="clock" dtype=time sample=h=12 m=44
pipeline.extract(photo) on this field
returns h=1 m=16
